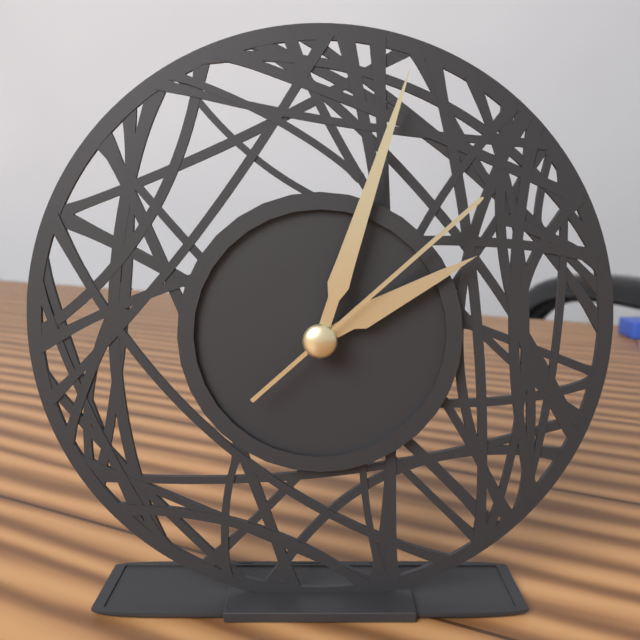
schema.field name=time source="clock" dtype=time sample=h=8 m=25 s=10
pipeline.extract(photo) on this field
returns h=2 m=3 s=8
